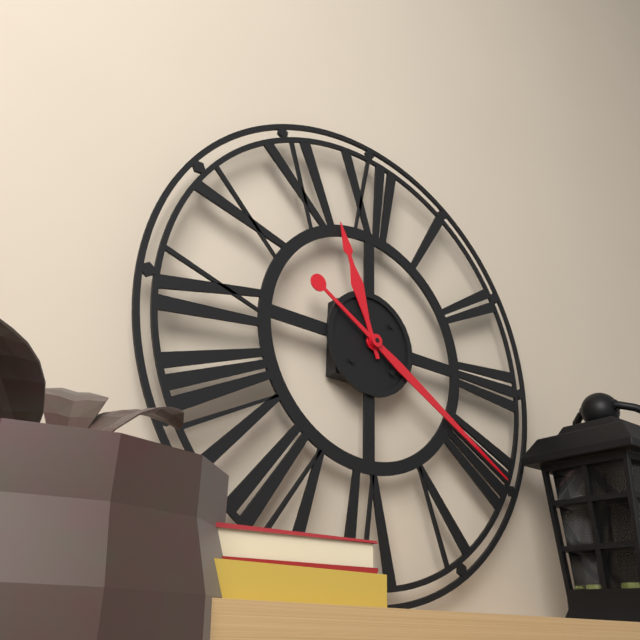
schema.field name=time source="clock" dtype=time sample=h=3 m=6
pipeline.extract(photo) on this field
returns h=11 m=20
